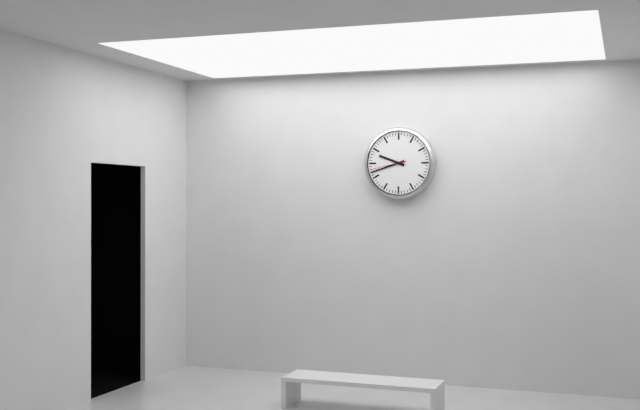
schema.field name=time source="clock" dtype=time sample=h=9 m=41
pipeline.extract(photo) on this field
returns h=9 m=42
